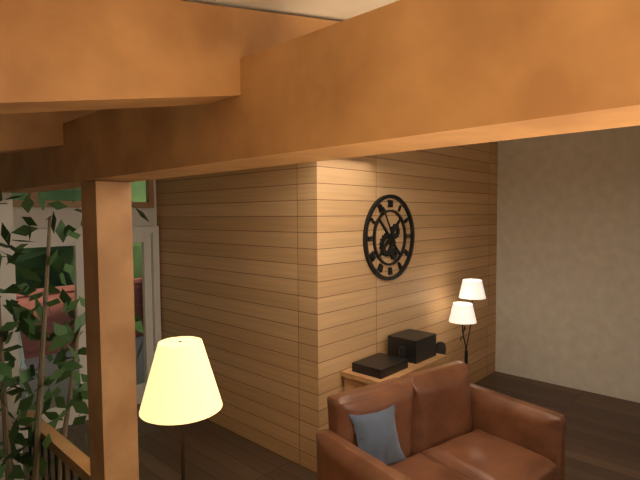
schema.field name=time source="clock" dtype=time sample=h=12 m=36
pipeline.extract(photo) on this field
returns h=7 m=55
